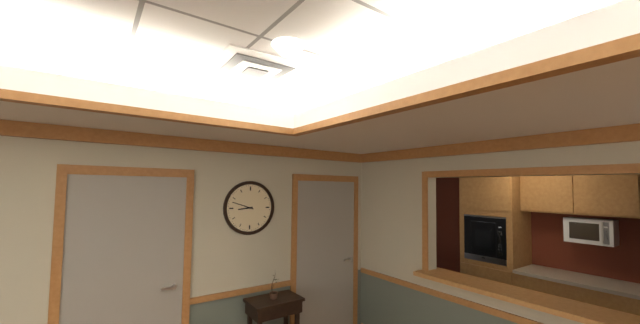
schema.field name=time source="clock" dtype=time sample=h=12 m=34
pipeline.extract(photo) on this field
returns h=8 m=48
